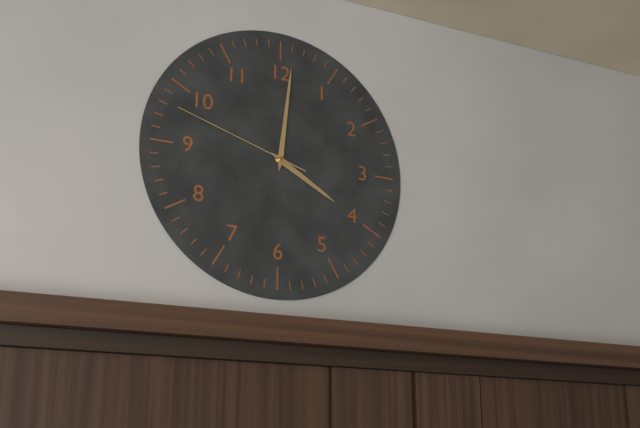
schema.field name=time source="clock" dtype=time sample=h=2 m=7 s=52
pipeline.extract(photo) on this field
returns h=4 m=1 s=48
